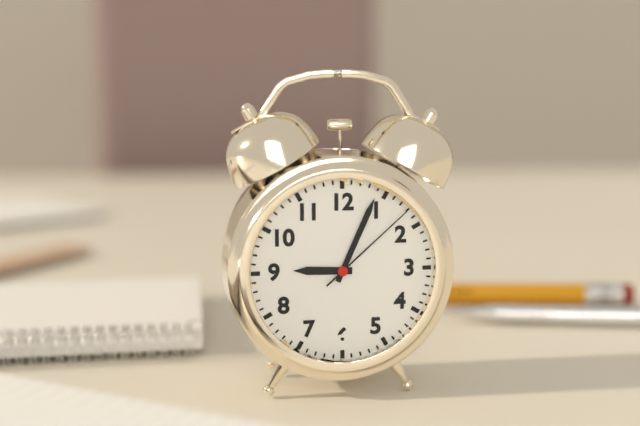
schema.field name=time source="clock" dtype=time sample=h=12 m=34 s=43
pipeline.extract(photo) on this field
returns h=9 m=4 s=8
